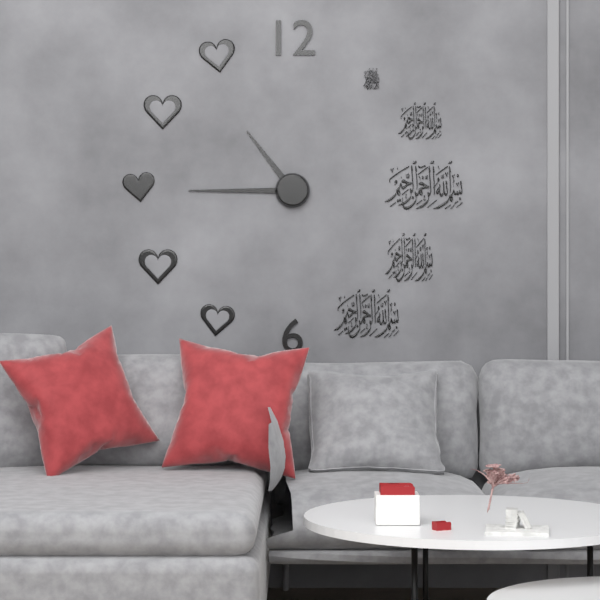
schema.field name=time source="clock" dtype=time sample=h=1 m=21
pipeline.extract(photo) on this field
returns h=10 m=45
